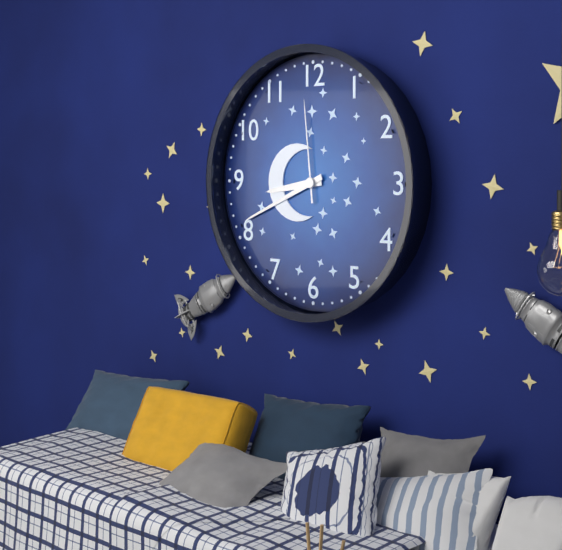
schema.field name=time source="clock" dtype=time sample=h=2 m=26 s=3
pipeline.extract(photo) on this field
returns h=8 m=41 s=59
